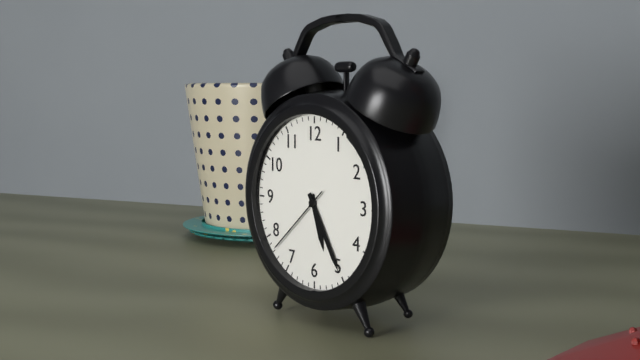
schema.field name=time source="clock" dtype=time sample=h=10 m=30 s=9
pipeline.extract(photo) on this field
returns h=5 m=25 s=38
